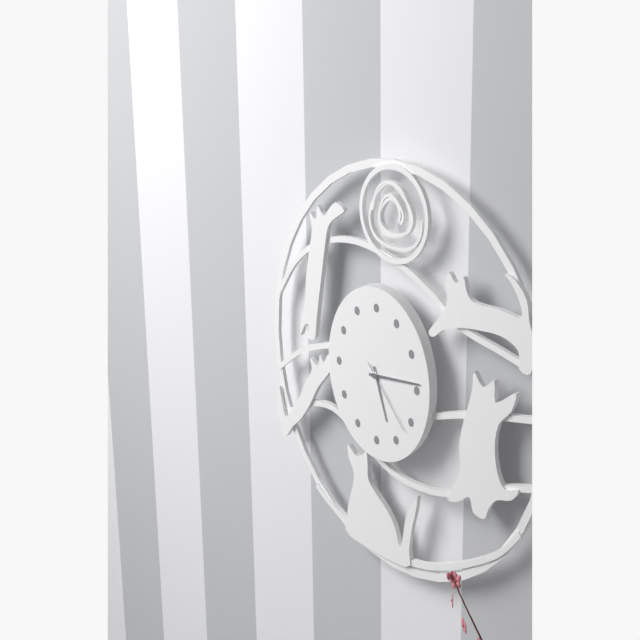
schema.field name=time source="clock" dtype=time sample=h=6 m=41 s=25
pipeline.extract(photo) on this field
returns h=5 m=14 s=22
